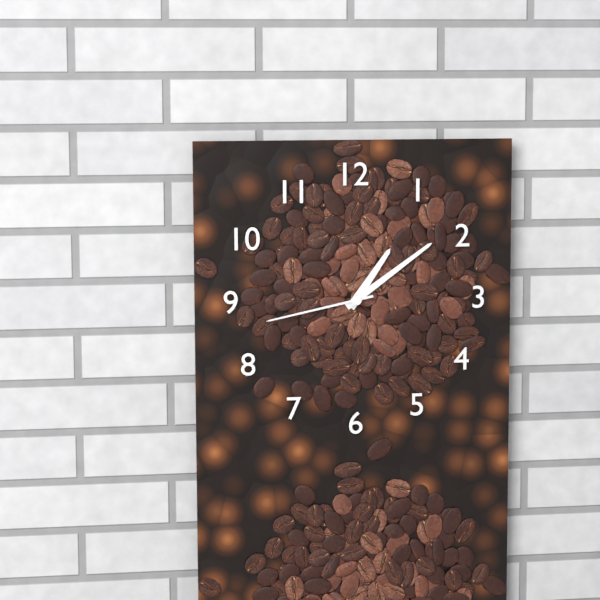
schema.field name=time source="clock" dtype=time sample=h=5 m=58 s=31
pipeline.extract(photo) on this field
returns h=1 m=9 s=43
